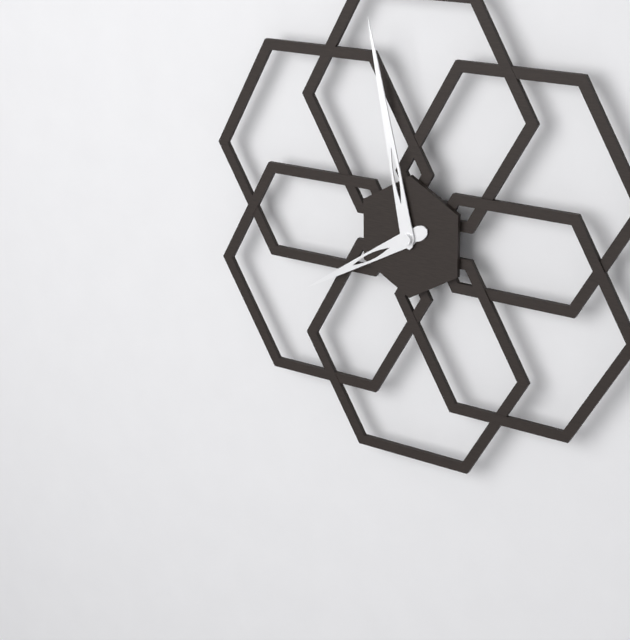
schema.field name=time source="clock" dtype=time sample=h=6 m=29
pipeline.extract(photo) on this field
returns h=7 m=58
